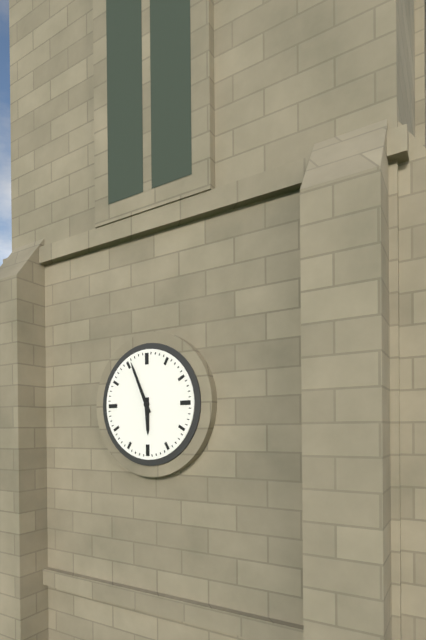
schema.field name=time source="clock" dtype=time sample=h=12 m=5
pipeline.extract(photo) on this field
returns h=5 m=56
